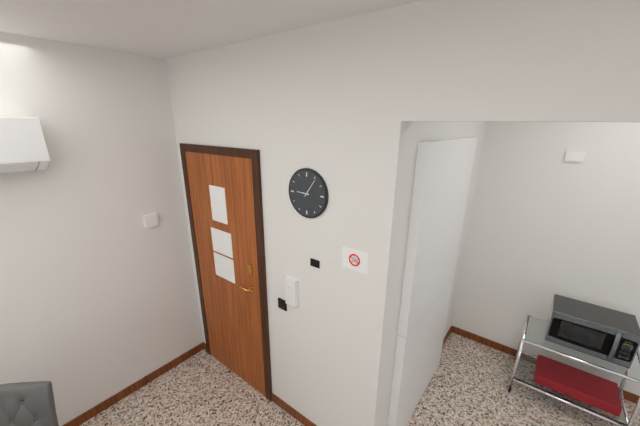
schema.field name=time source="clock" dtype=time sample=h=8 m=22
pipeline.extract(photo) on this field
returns h=9 m=6
